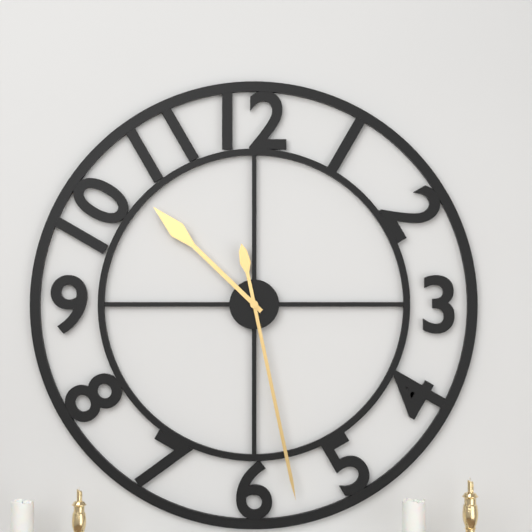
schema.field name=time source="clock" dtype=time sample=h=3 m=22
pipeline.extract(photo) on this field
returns h=10 m=28
